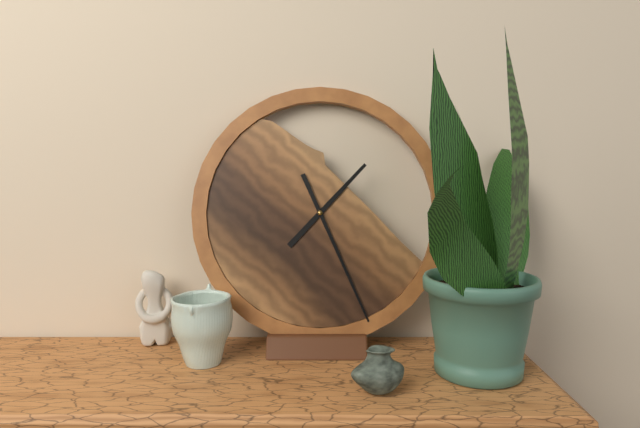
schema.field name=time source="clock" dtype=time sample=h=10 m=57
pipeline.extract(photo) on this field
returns h=1 m=26
